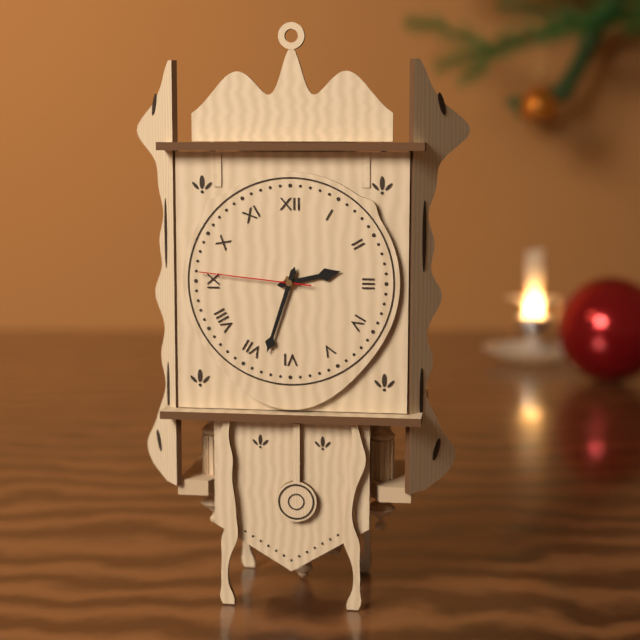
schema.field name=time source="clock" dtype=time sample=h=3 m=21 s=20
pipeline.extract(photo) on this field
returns h=2 m=33 s=46
